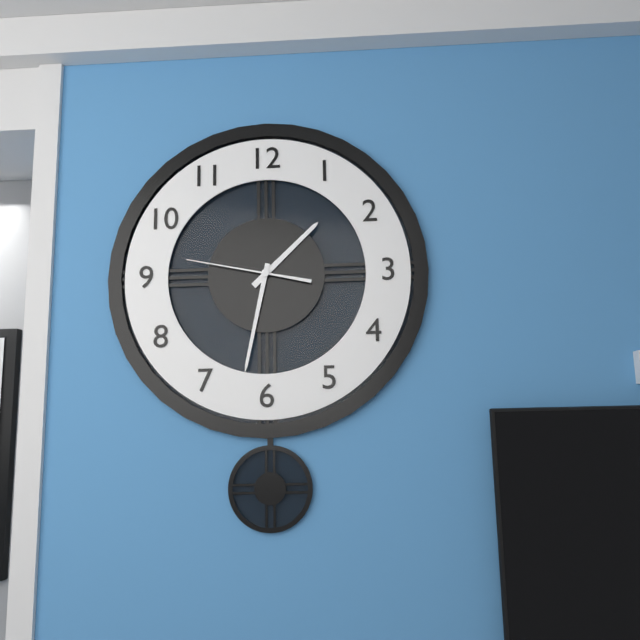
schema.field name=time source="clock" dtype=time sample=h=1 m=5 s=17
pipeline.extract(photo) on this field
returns h=1 m=32 s=47
